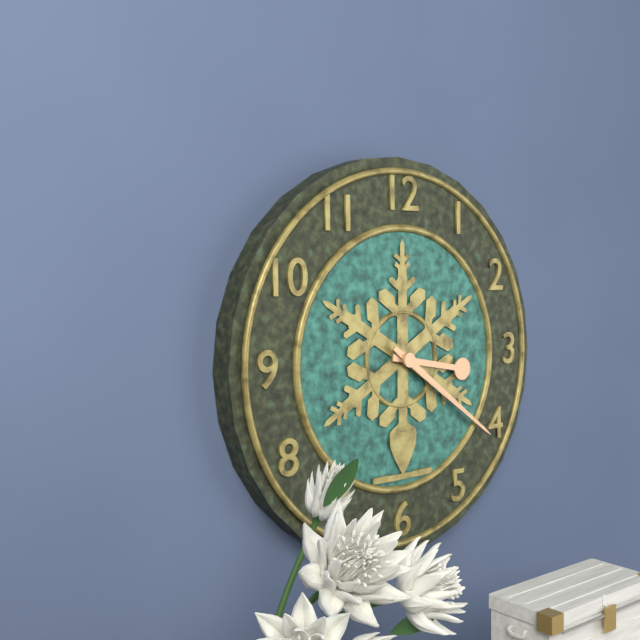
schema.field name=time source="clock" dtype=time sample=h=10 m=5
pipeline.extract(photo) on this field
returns h=3 m=21
